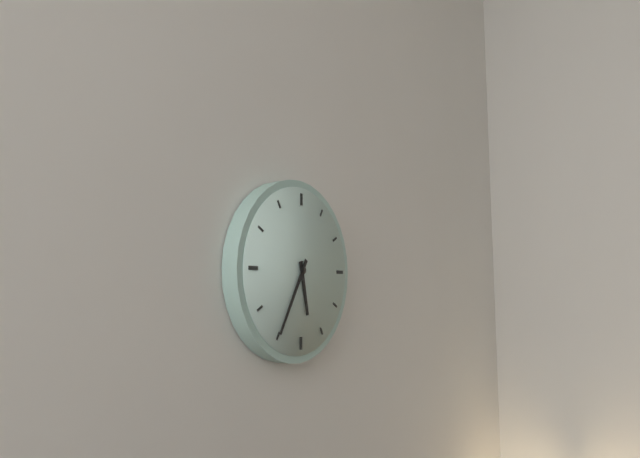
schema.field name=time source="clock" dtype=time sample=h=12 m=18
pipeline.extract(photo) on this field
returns h=5 m=35
